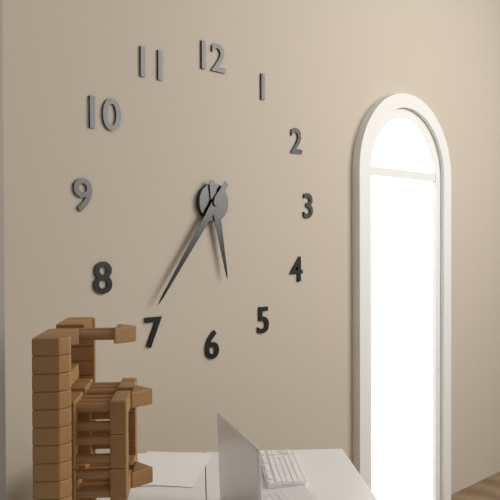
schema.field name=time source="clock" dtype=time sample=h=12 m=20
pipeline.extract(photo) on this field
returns h=5 m=36
